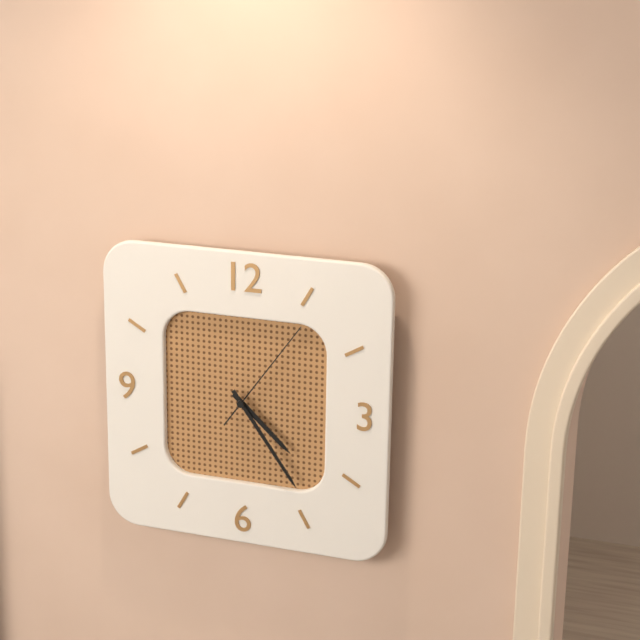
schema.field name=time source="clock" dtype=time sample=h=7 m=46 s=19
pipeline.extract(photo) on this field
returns h=4 m=24 s=6
